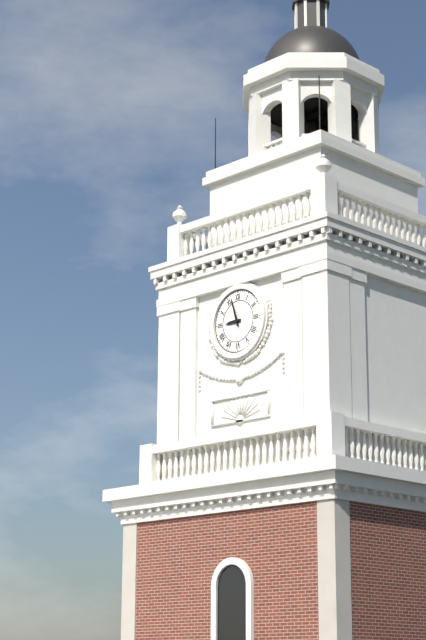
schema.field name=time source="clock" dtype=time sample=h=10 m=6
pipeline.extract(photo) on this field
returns h=8 m=57
